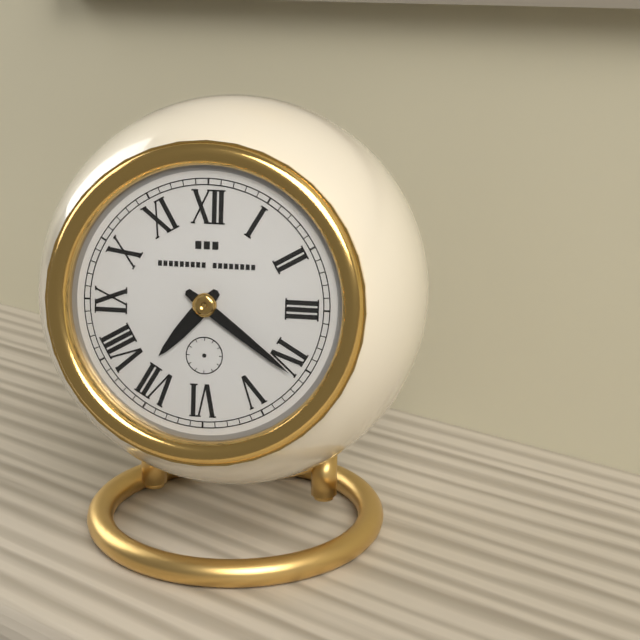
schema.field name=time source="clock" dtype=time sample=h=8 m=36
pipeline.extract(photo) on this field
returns h=7 m=21
